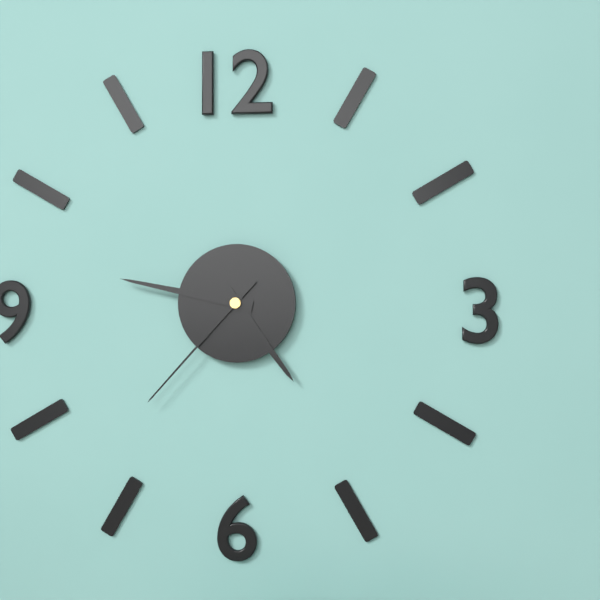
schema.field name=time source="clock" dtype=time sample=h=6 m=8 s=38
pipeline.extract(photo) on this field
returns h=4 m=47 s=37
